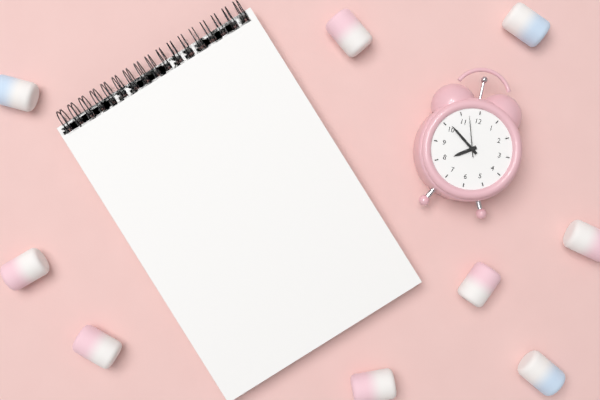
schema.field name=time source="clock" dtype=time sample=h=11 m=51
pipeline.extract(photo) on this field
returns h=7 m=51
